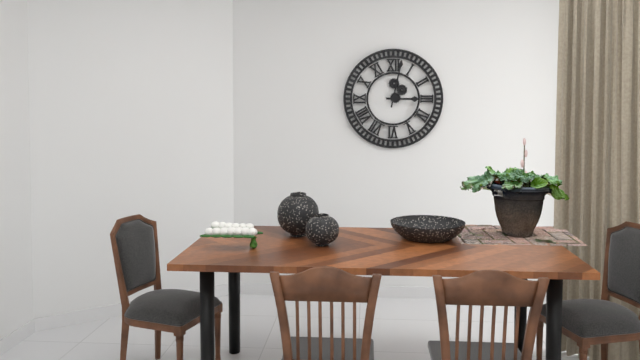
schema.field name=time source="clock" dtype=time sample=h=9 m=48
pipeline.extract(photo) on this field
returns h=3 m=2
